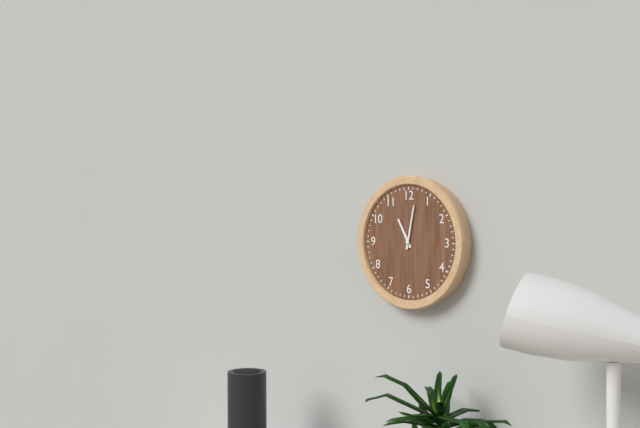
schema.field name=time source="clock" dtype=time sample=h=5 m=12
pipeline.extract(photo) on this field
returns h=11 m=2
